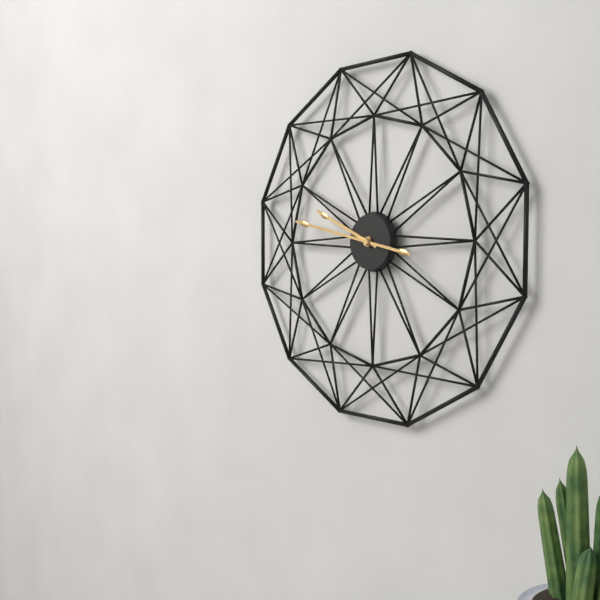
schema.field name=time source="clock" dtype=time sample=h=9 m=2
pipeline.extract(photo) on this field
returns h=9 m=47
